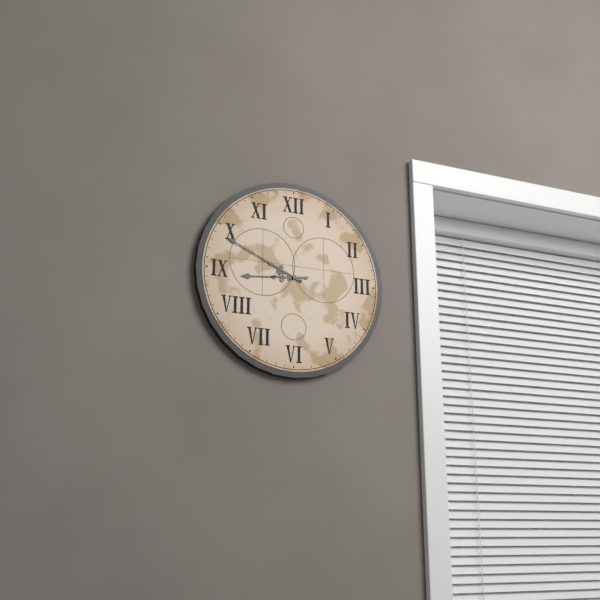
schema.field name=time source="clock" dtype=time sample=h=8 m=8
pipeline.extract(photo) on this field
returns h=8 m=49
